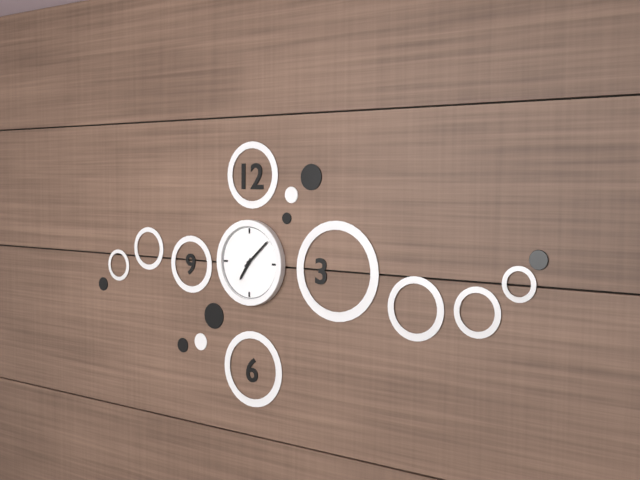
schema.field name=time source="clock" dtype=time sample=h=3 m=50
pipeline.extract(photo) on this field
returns h=7 m=8
